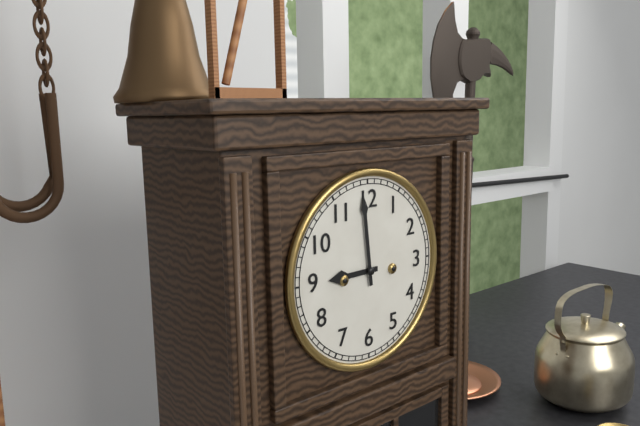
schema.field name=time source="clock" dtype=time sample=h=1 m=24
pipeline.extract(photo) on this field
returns h=8 m=59
